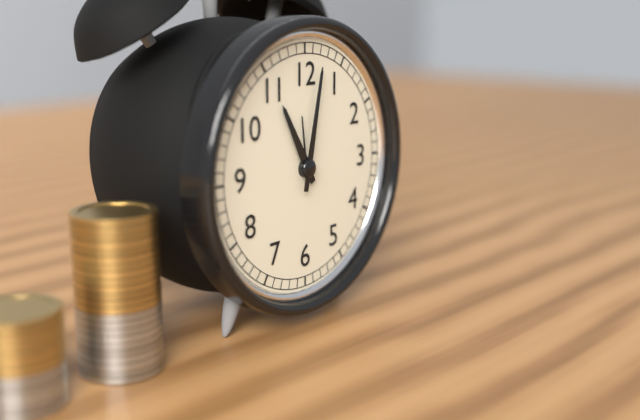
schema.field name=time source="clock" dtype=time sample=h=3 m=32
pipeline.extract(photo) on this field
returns h=11 m=2
